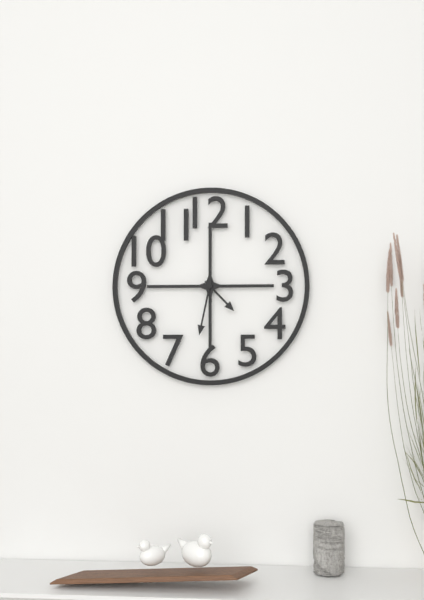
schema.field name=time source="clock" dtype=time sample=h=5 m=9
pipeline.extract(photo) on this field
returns h=4 m=32
